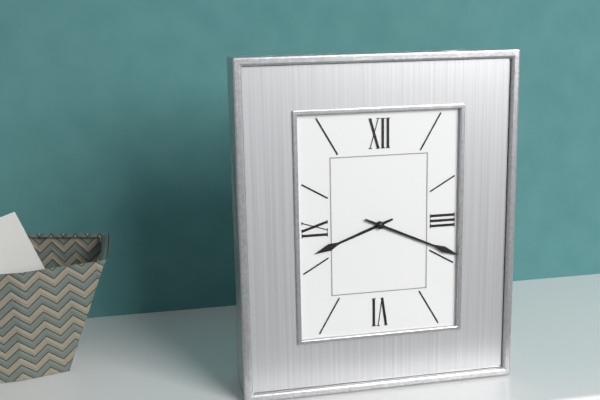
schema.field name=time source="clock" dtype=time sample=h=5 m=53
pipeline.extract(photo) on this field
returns h=8 m=19
